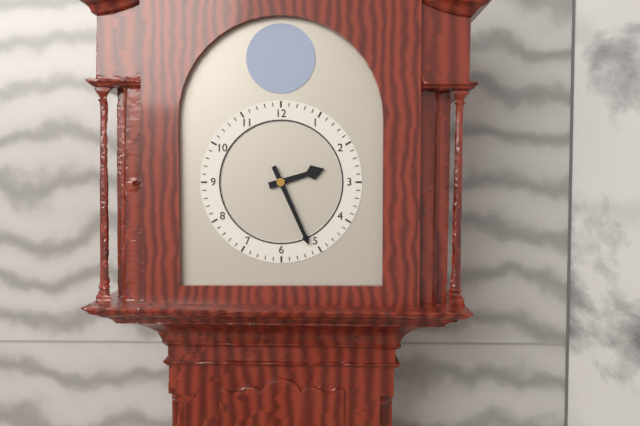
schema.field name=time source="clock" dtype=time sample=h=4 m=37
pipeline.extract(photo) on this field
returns h=2 m=26
